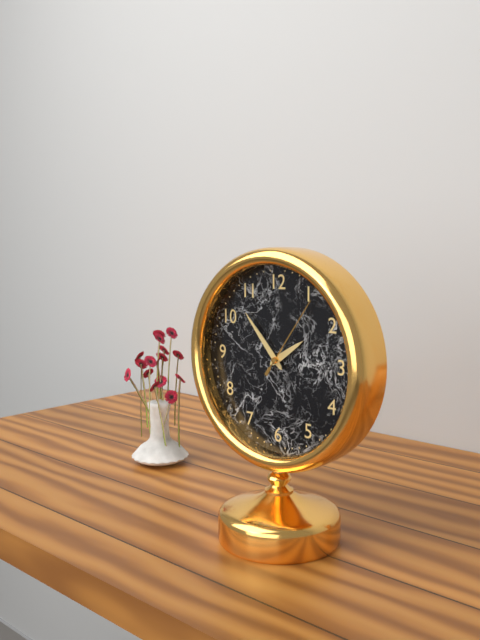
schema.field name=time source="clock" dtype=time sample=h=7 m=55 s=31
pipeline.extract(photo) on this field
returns h=1 m=53 s=6
